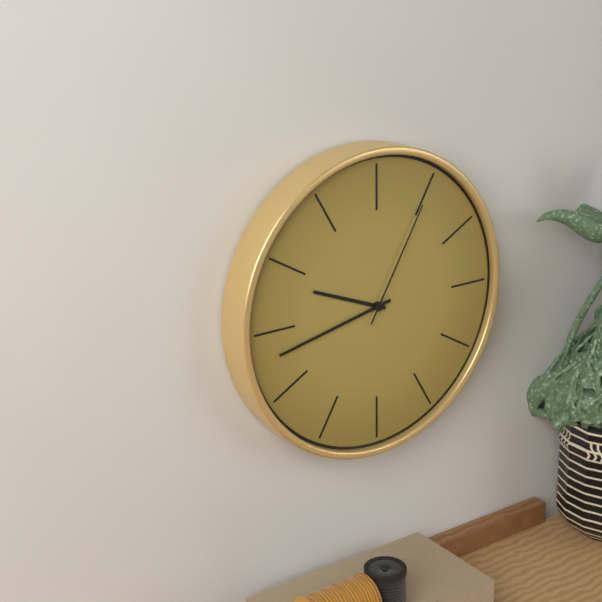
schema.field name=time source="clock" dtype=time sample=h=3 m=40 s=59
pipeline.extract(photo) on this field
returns h=9 m=43 s=5
